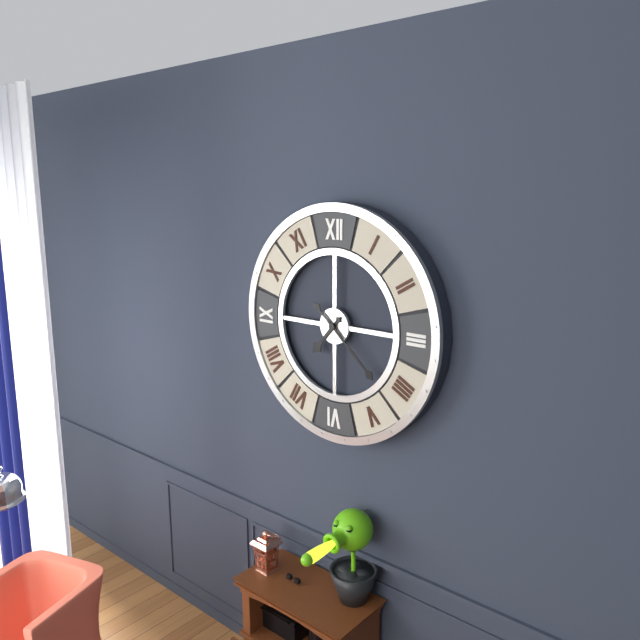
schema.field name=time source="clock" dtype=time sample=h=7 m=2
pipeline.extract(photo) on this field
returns h=7 m=22
